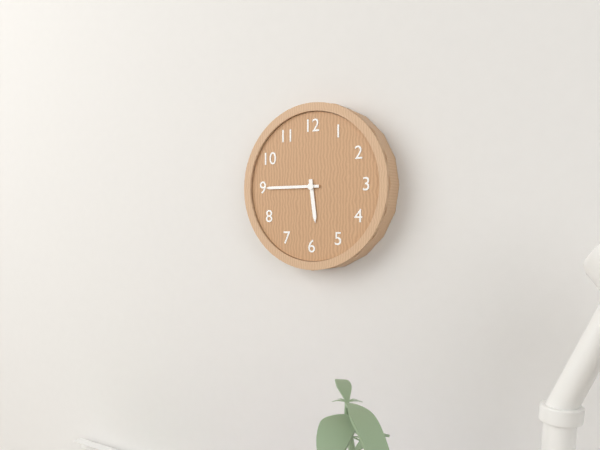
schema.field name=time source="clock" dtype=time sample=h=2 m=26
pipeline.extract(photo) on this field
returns h=5 m=45
